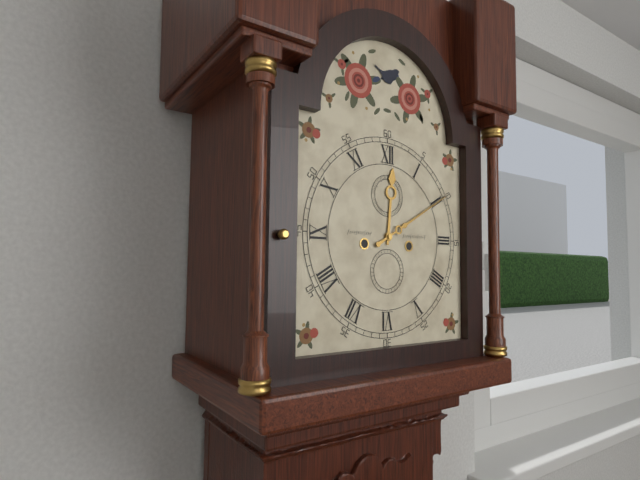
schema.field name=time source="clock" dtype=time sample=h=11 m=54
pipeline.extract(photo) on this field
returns h=12 m=10
